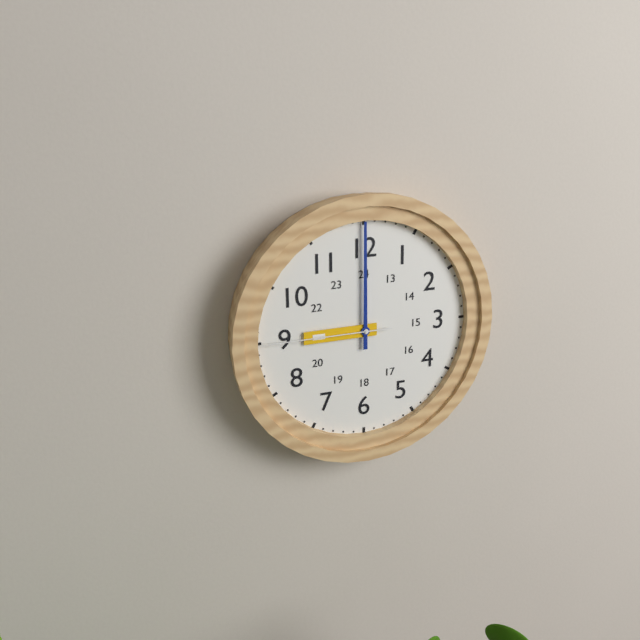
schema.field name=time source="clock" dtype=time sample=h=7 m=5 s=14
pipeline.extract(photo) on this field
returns h=9 m=0 s=45
